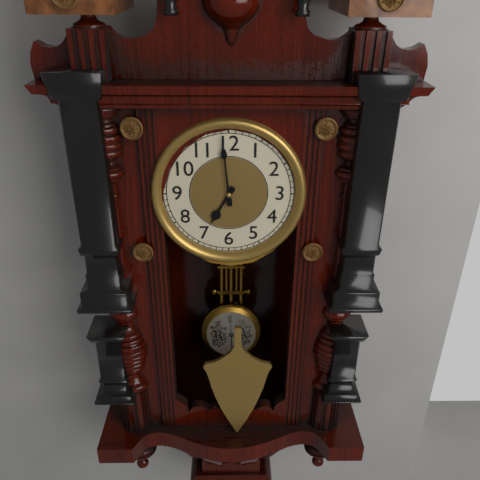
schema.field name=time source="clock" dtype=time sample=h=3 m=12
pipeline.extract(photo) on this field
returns h=6 m=59
